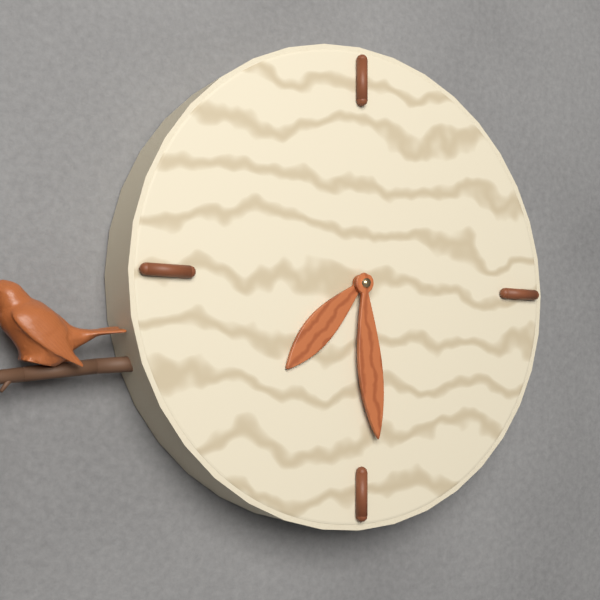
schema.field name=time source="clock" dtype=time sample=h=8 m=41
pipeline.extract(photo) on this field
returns h=7 m=29
